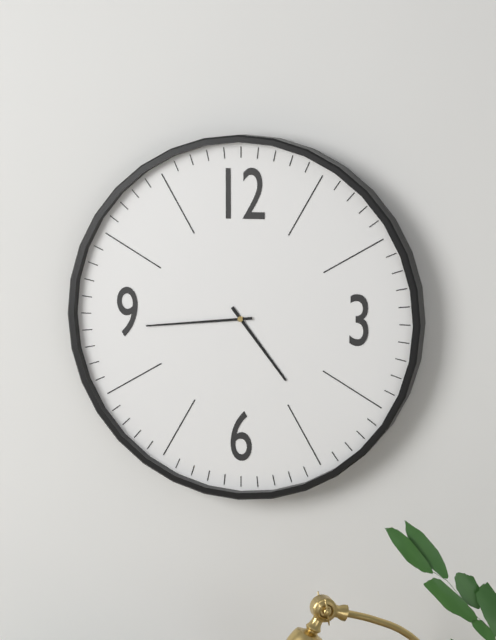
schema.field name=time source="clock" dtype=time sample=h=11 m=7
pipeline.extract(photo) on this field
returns h=4 m=44
